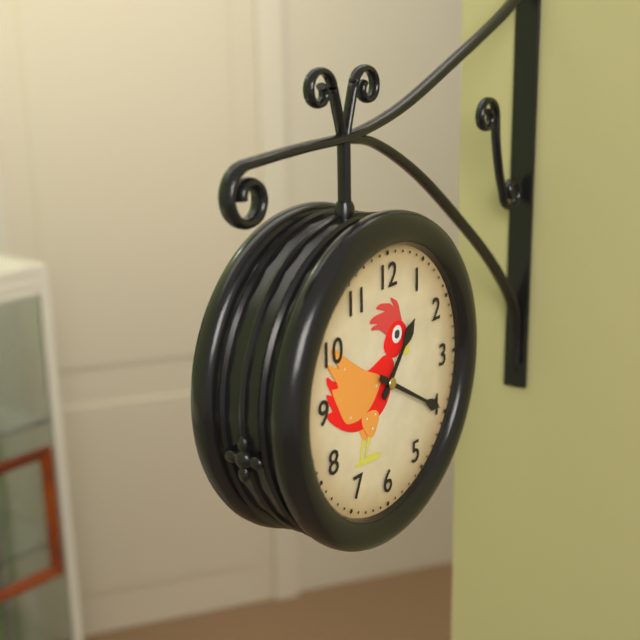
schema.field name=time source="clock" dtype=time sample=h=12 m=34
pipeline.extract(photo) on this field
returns h=1 m=20
